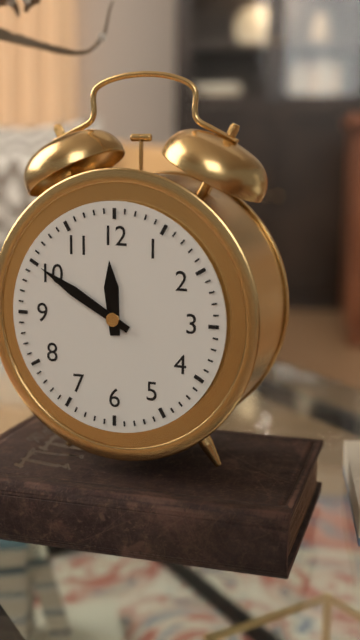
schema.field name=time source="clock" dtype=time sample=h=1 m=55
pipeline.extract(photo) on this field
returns h=11 m=50
